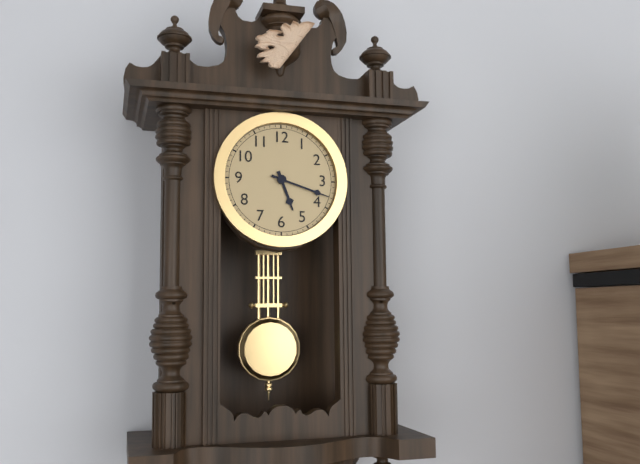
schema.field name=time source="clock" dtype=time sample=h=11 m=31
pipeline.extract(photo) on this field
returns h=5 m=18
